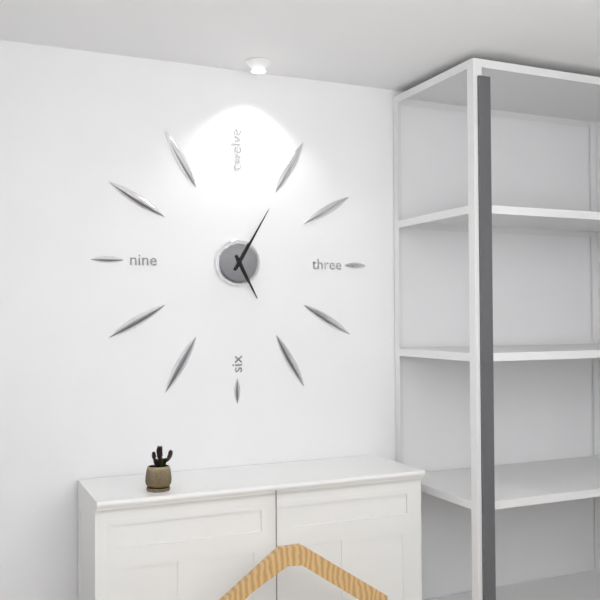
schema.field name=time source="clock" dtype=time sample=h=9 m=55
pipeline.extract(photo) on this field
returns h=5 m=5
